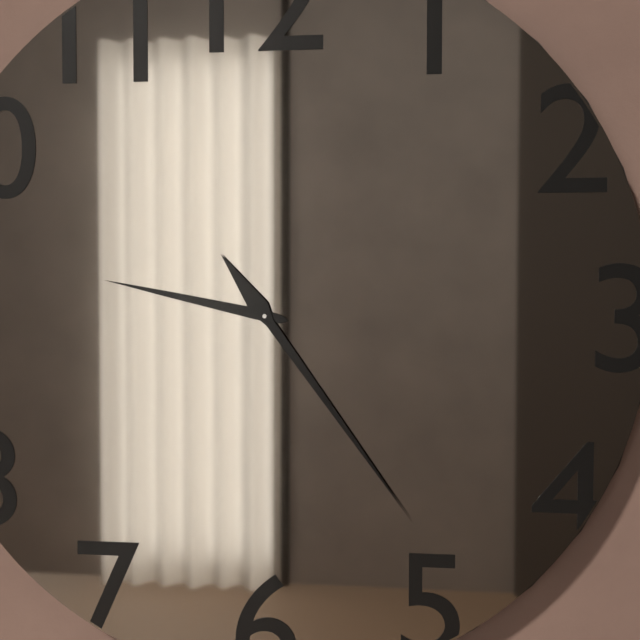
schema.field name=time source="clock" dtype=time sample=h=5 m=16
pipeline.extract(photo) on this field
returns h=9 m=24
